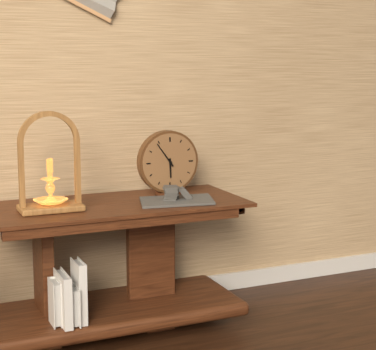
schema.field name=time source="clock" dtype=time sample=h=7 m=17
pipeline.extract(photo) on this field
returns h=5 m=54
